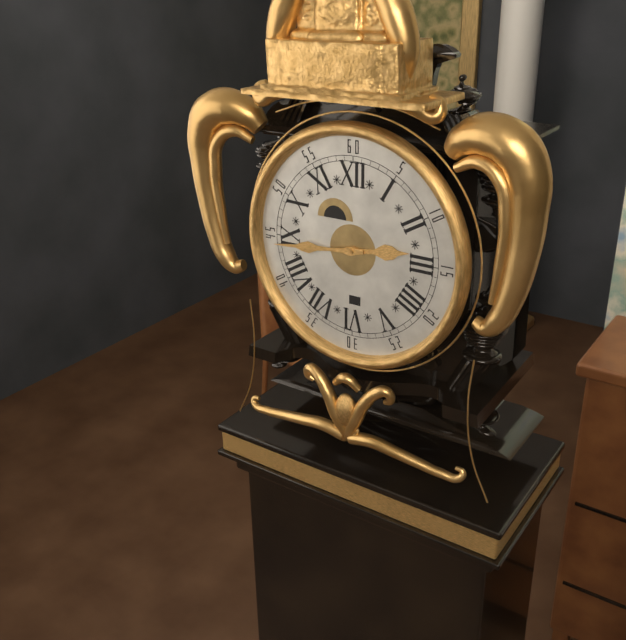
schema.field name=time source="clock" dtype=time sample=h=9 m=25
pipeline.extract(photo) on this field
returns h=2 m=44
